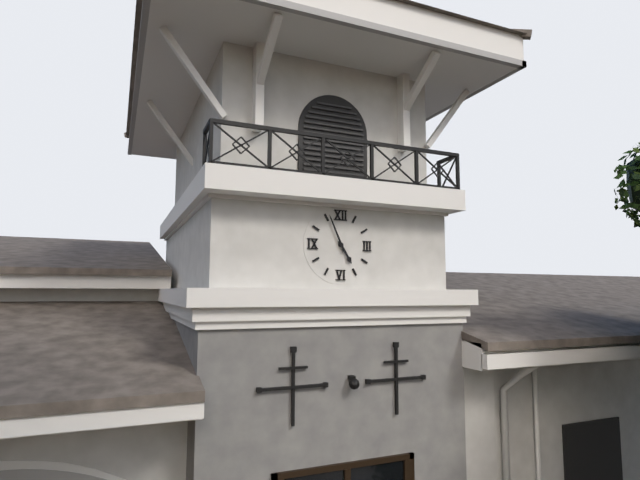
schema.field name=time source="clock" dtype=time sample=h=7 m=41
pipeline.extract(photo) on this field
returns h=4 m=56
